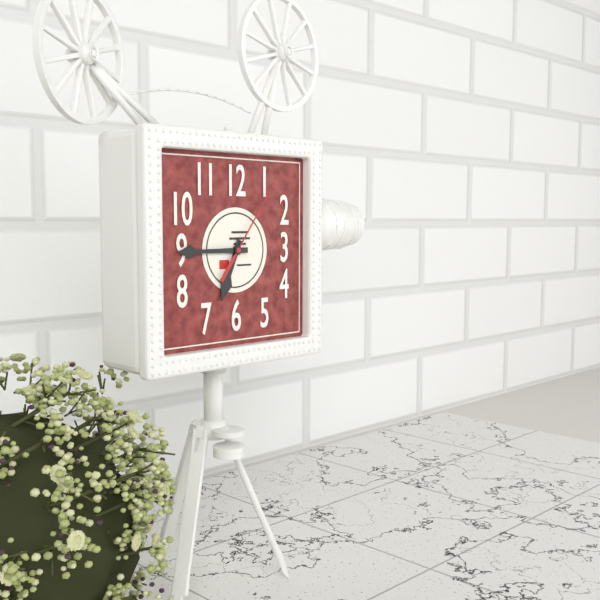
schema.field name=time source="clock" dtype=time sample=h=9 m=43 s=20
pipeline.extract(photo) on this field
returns h=6 m=45 s=6
